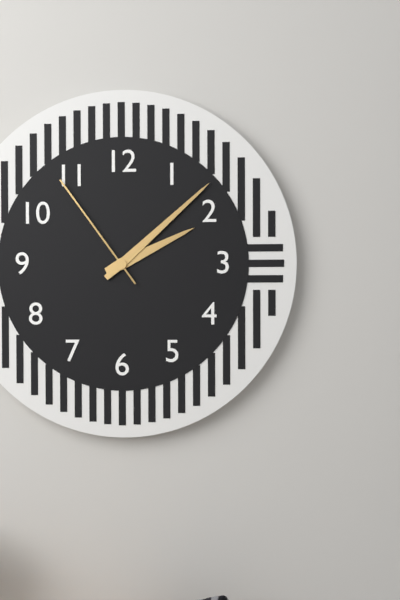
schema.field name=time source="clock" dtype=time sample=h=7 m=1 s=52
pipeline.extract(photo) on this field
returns h=2 m=8 s=54
